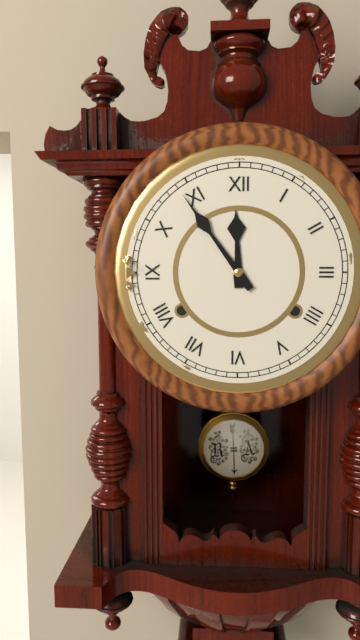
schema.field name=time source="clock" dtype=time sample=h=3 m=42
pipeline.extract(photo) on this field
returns h=11 m=54
